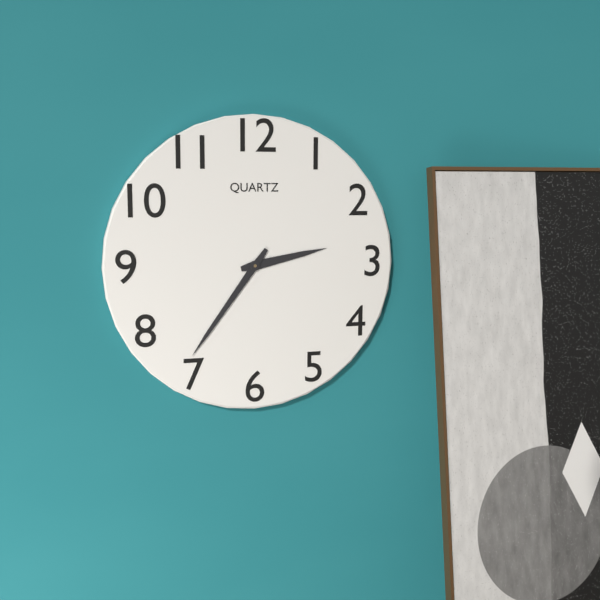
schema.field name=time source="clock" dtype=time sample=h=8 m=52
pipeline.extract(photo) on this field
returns h=2 m=36
